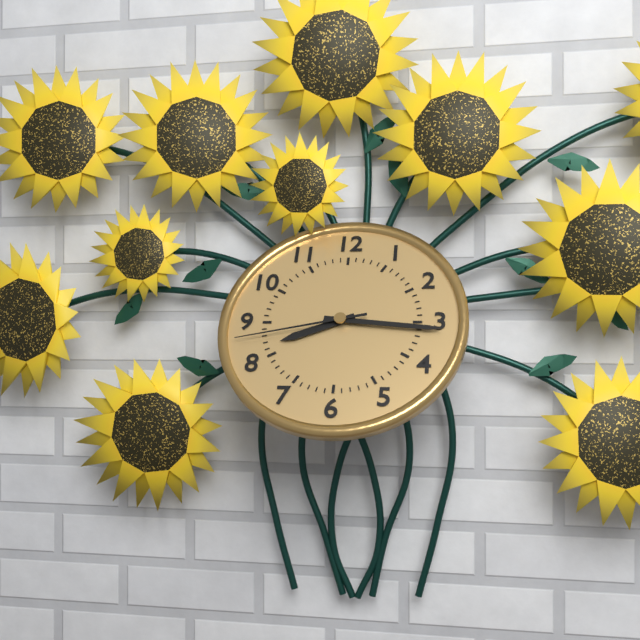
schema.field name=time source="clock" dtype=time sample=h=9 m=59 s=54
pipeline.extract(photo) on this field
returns h=8 m=16 s=43
